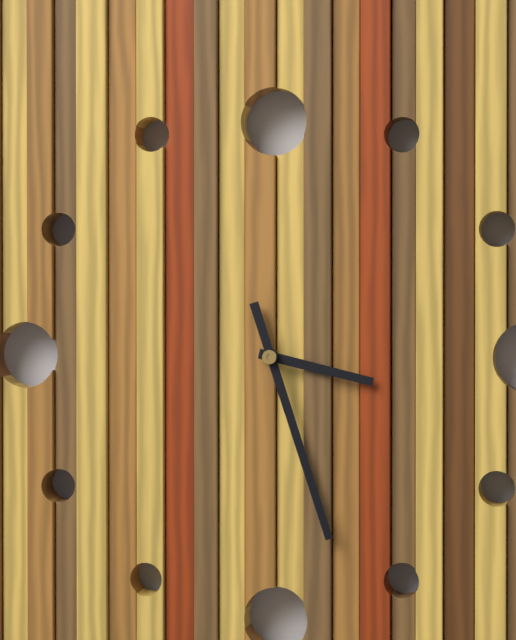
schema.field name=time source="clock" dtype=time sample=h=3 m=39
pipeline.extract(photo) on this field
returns h=3 m=27
